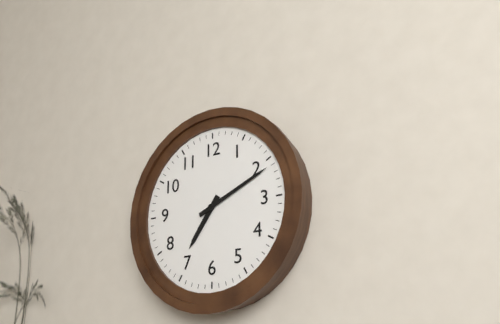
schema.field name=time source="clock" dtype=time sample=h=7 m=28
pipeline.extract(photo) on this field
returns h=7 m=11
